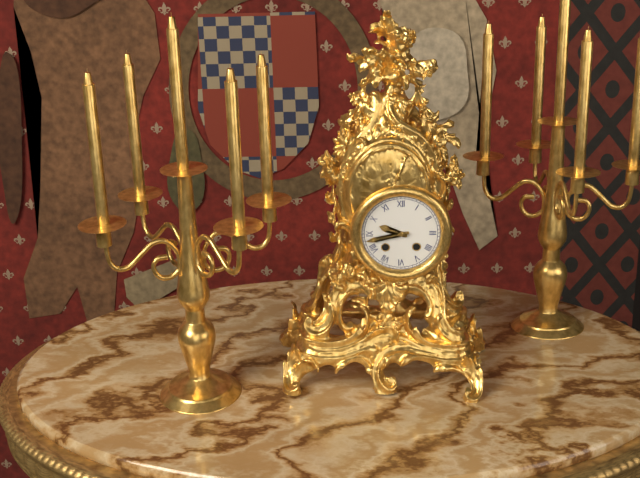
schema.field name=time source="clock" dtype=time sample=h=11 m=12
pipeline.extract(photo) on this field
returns h=9 m=43
